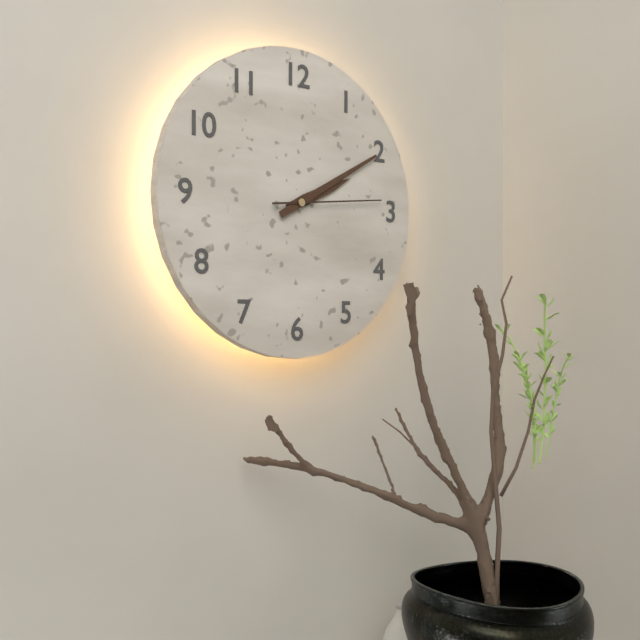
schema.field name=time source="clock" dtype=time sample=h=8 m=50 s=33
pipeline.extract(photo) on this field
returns h=2 m=10 s=14
